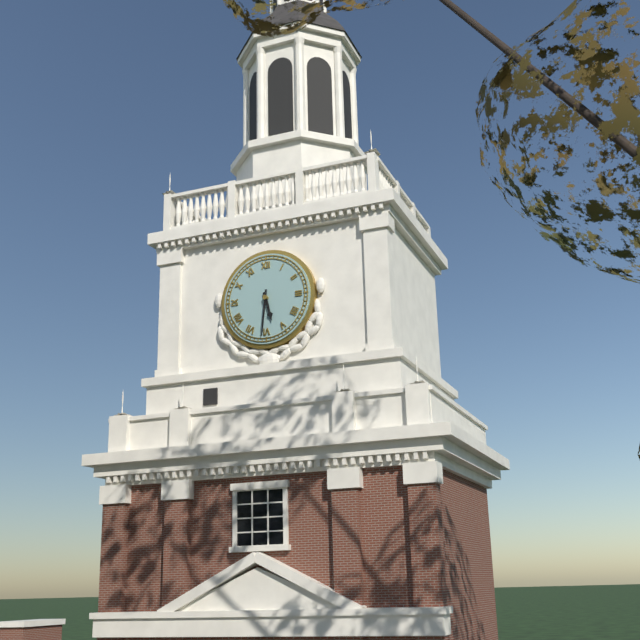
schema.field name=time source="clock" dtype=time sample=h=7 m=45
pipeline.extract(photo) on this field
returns h=5 m=31
